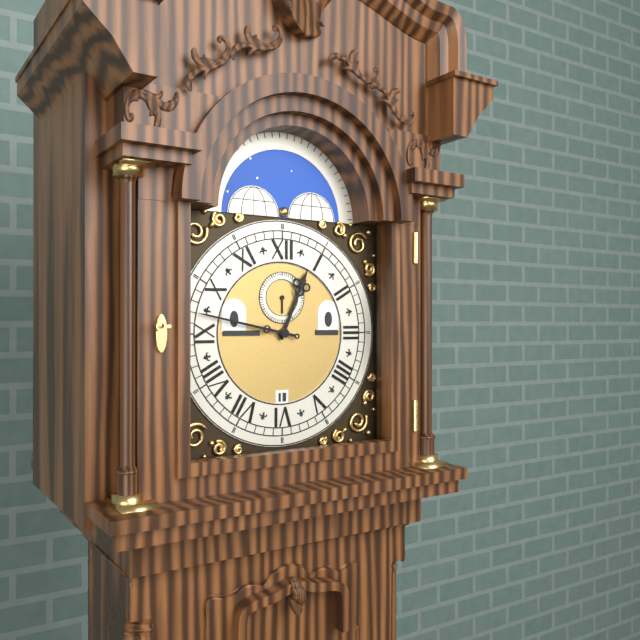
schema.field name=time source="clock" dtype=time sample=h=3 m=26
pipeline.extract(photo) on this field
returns h=12 m=47
